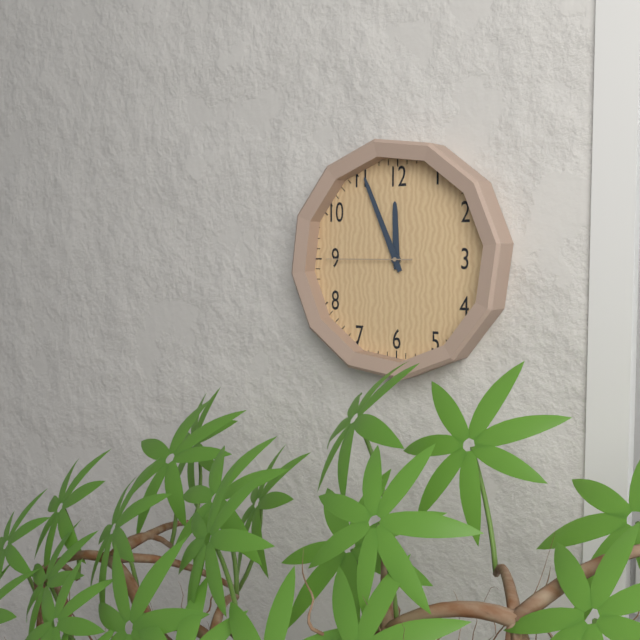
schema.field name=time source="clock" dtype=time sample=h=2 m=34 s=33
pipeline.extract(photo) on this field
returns h=11 m=56 s=45
